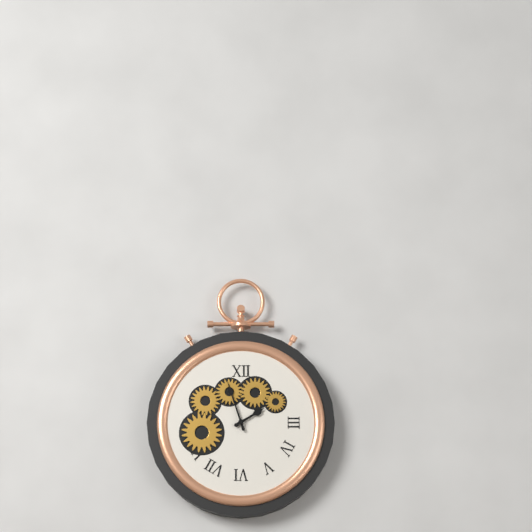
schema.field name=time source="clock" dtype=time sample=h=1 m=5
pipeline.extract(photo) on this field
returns h=1 m=57
